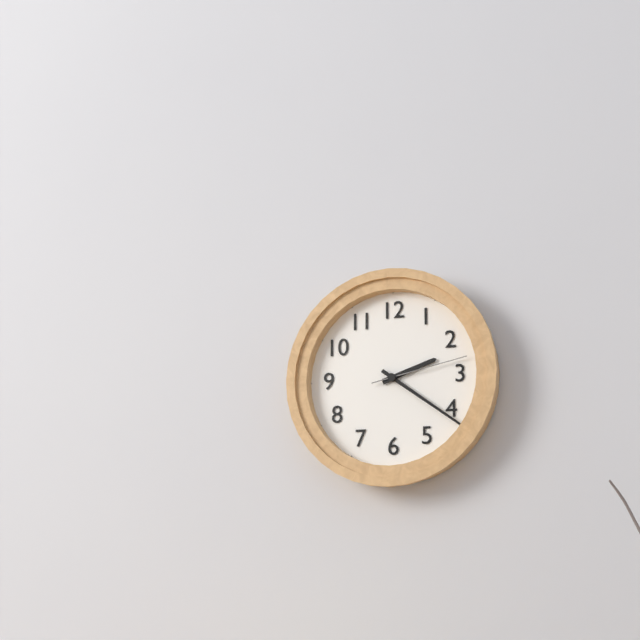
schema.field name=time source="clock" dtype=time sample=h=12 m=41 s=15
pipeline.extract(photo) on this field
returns h=2 m=21 s=13
